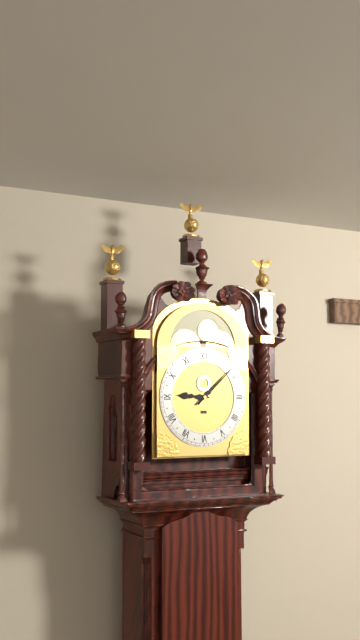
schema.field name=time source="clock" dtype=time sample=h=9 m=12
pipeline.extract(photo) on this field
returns h=9 m=8
